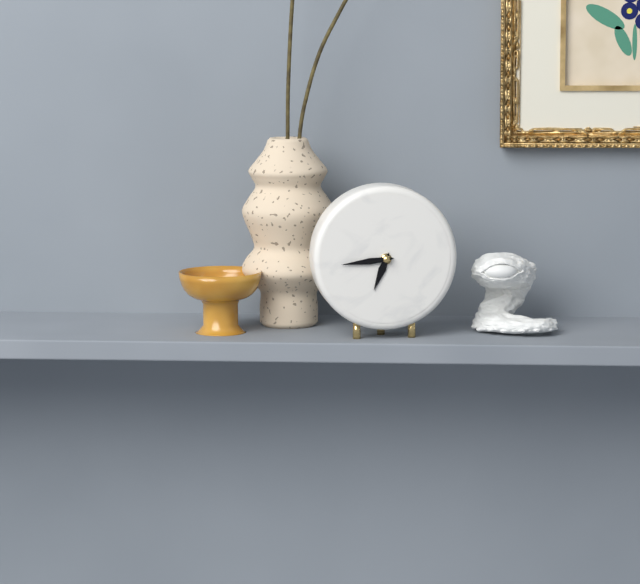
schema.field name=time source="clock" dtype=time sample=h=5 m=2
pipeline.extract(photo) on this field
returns h=6 m=44
